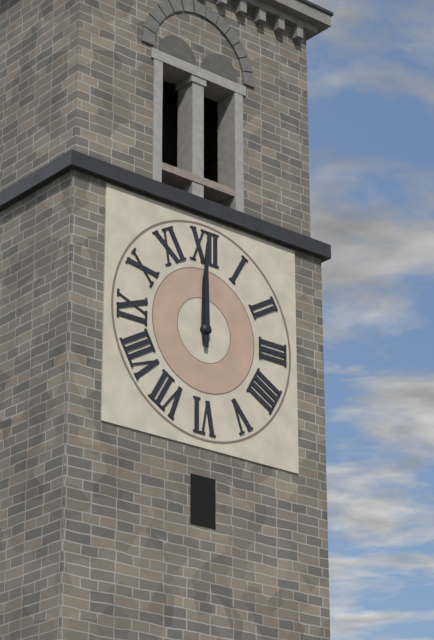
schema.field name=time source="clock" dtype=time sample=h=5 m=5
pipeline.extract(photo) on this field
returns h=12 m=0
